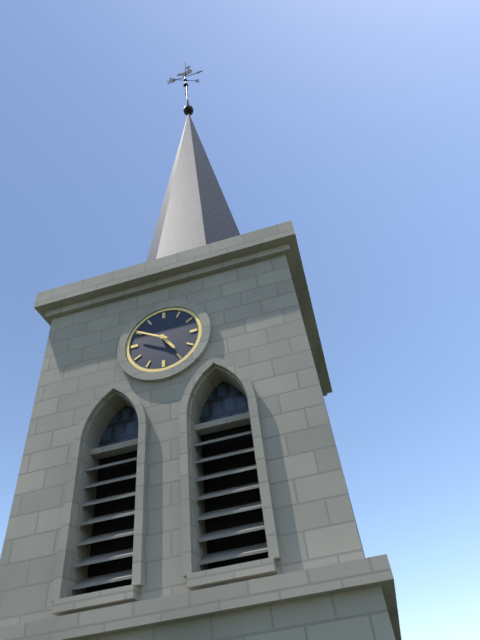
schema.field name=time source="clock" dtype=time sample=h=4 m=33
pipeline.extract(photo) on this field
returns h=4 m=50
